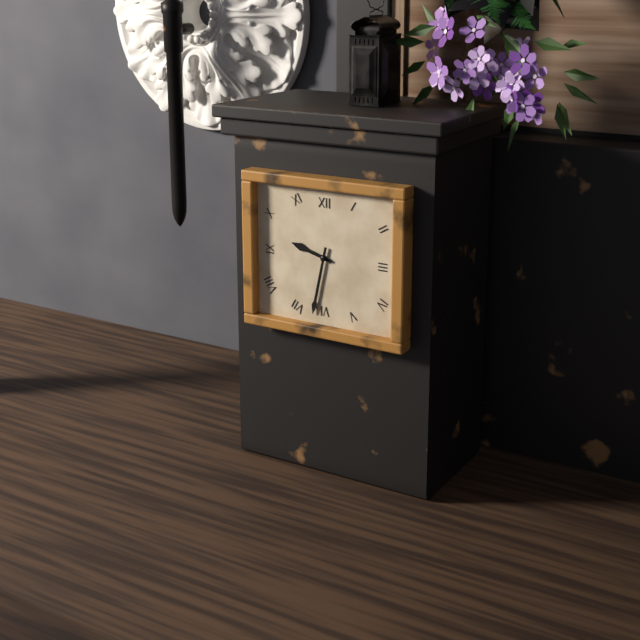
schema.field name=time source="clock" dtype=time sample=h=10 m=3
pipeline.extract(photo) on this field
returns h=9 m=32
